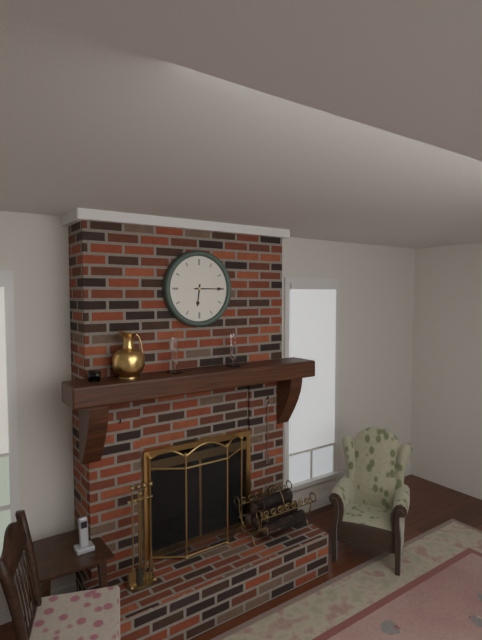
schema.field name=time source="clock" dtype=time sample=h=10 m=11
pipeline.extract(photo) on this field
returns h=6 m=15
